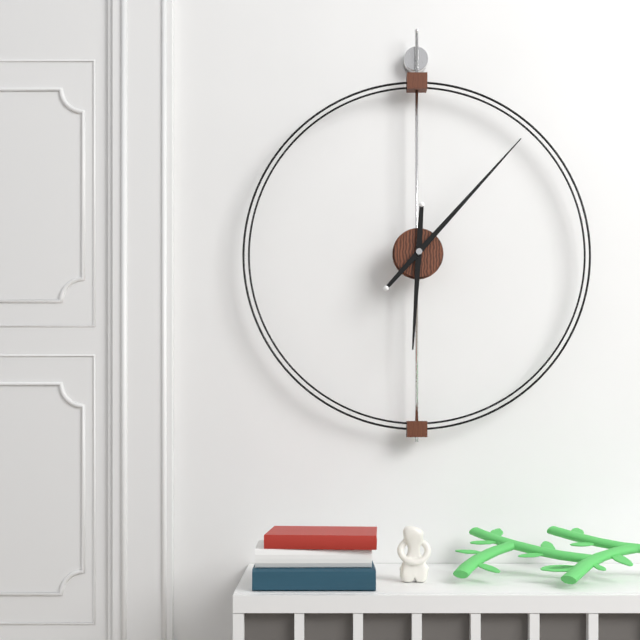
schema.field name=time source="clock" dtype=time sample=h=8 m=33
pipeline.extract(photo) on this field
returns h=6 m=7
